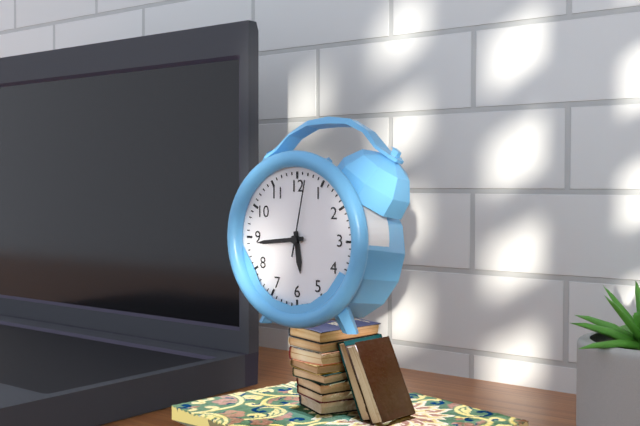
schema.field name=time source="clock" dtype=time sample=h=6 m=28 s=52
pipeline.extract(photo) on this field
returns h=5 m=44 s=2
